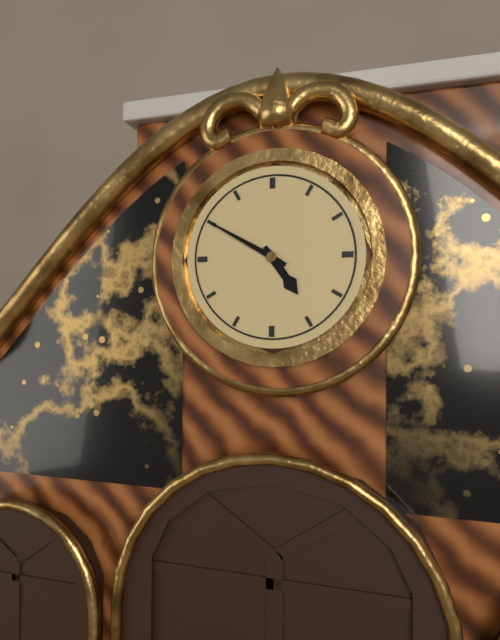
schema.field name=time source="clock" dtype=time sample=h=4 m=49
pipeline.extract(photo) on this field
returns h=4 m=50
